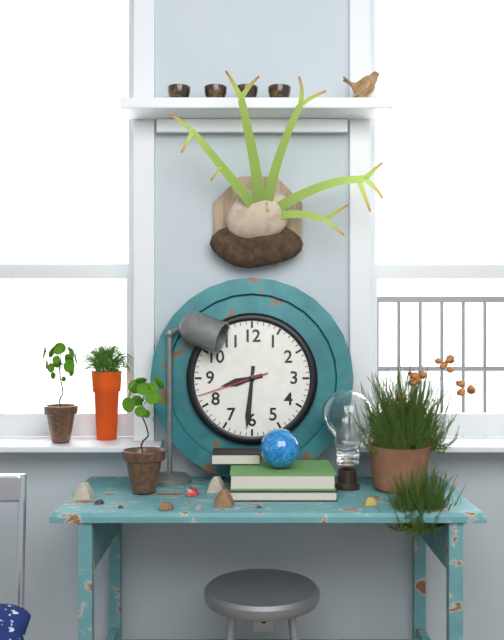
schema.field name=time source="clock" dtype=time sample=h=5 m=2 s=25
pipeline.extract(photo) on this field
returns h=8 m=31 s=42
